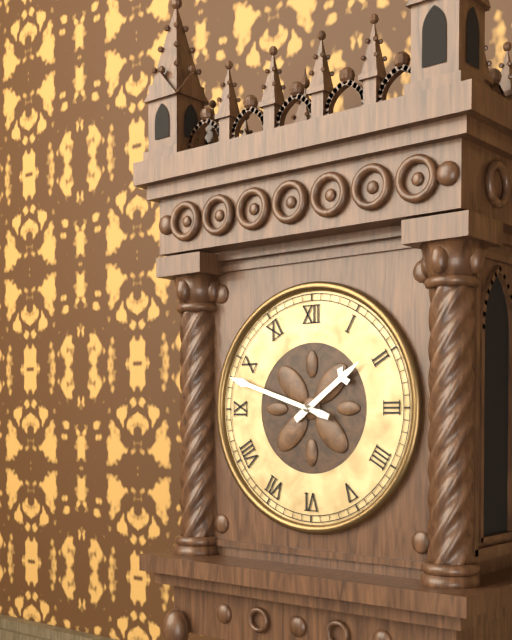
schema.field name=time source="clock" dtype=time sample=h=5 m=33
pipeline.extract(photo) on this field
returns h=1 m=48
